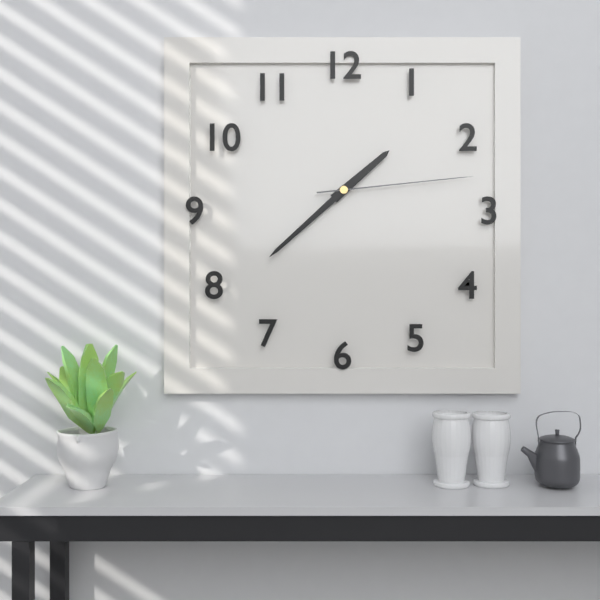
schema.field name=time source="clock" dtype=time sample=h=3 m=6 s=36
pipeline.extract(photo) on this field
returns h=1 m=38 s=14
